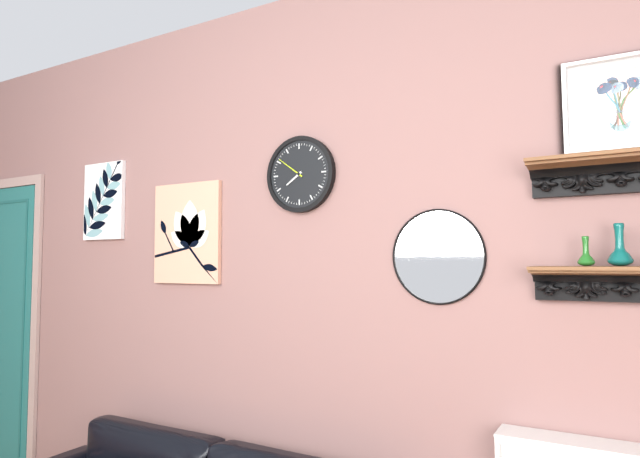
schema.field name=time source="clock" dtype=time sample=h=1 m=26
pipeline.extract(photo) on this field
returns h=7 m=51
